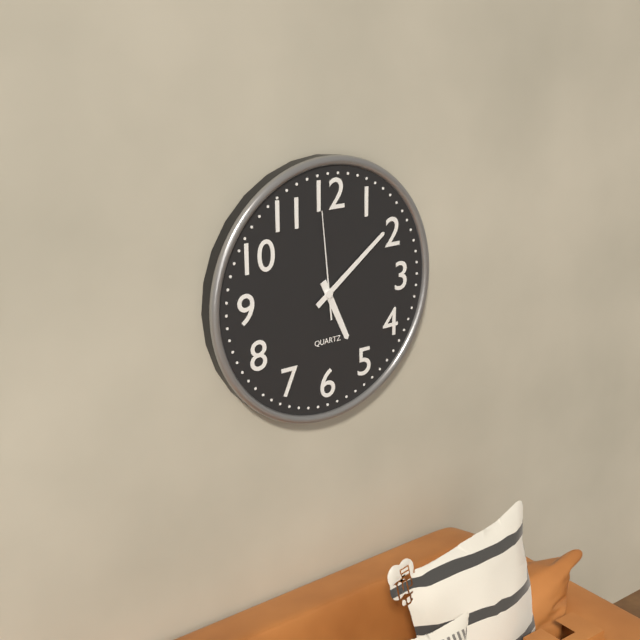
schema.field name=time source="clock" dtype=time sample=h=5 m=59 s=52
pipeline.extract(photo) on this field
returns h=5 m=9 s=59
